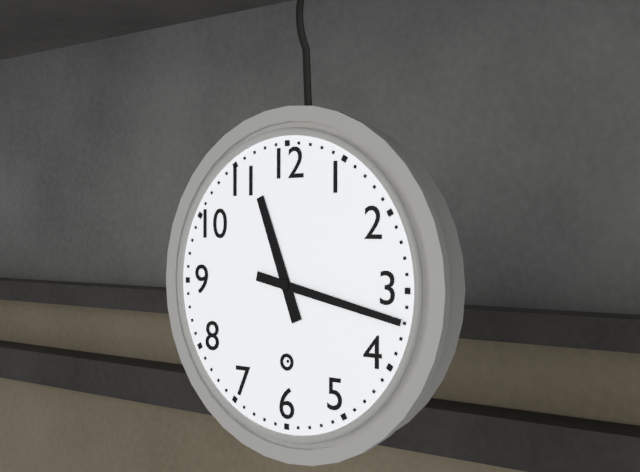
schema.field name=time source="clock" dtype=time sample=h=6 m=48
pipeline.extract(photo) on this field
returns h=11 m=17
